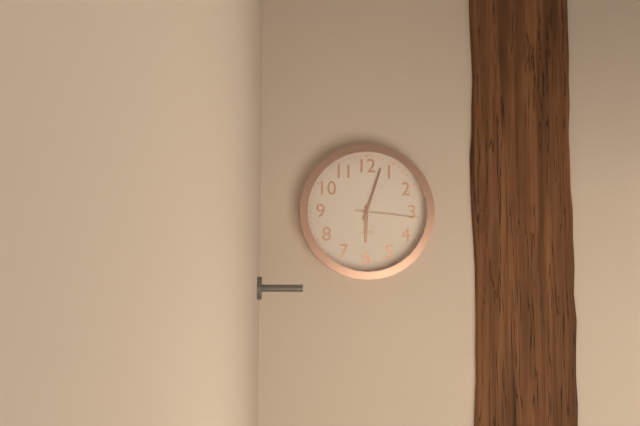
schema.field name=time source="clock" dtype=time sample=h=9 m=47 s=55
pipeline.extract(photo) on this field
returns h=6 m=3 s=16
